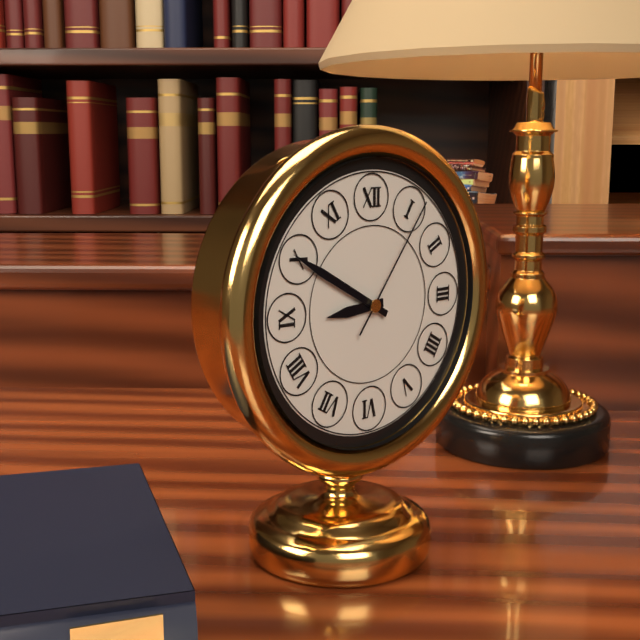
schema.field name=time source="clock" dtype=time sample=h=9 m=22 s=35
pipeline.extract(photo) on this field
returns h=8 m=50 s=6
